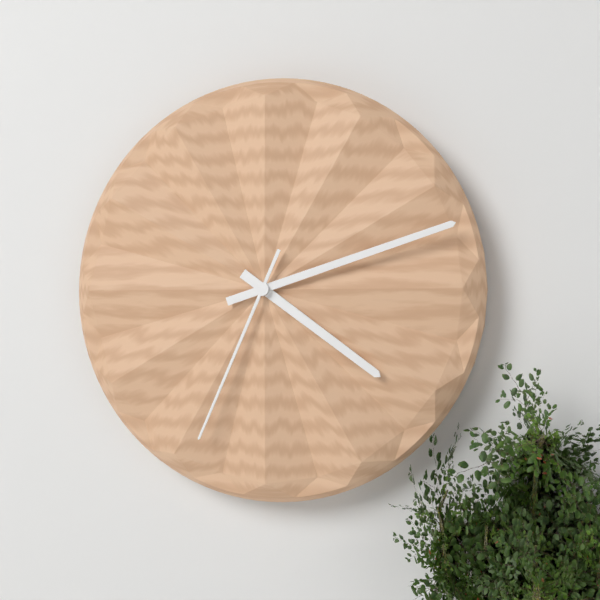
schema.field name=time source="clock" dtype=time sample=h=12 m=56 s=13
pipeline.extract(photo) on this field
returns h=4 m=12 s=34
